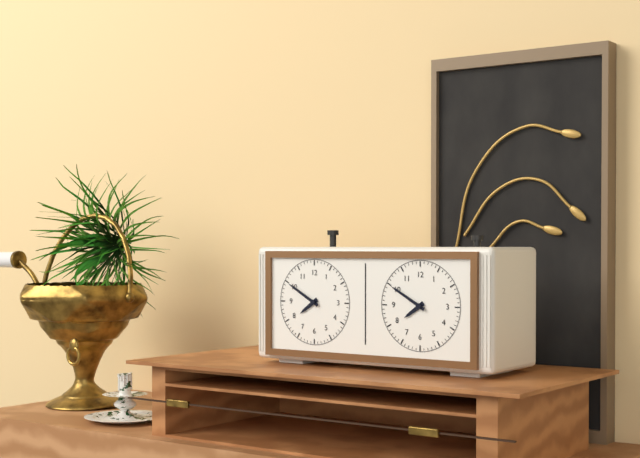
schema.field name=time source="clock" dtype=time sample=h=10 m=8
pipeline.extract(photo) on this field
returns h=7 m=50
